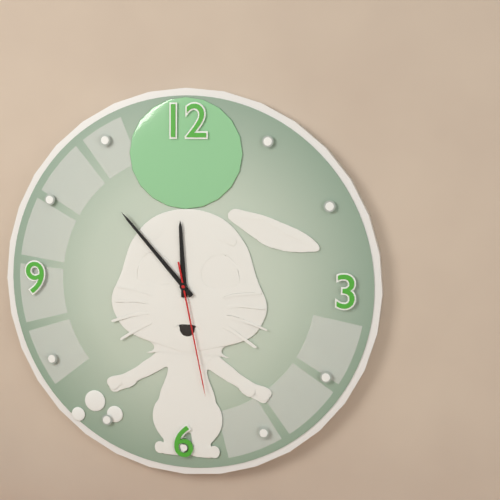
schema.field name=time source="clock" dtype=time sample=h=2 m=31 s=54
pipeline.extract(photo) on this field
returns h=11 m=53 s=28
